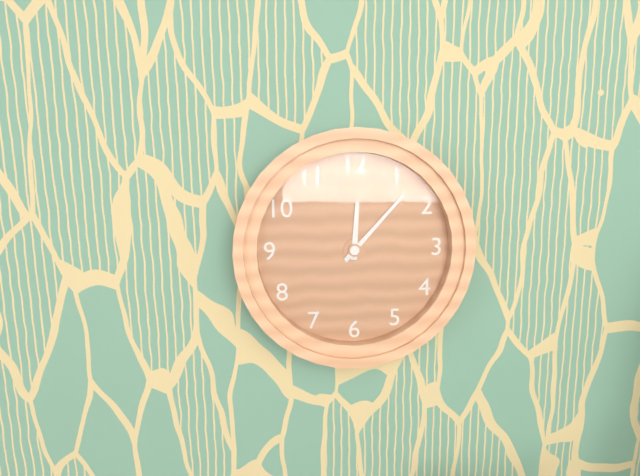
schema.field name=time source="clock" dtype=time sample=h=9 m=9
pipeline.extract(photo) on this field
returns h=12 m=7
